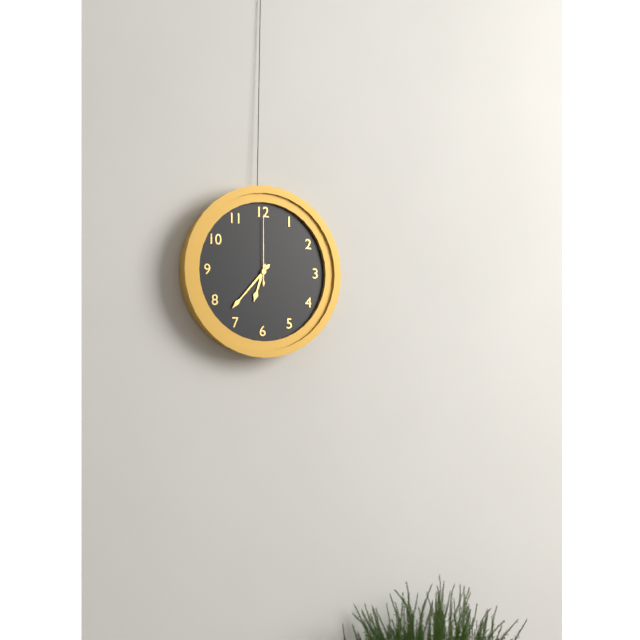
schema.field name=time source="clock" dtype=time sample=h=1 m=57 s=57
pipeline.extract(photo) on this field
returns h=6 m=37 s=0
